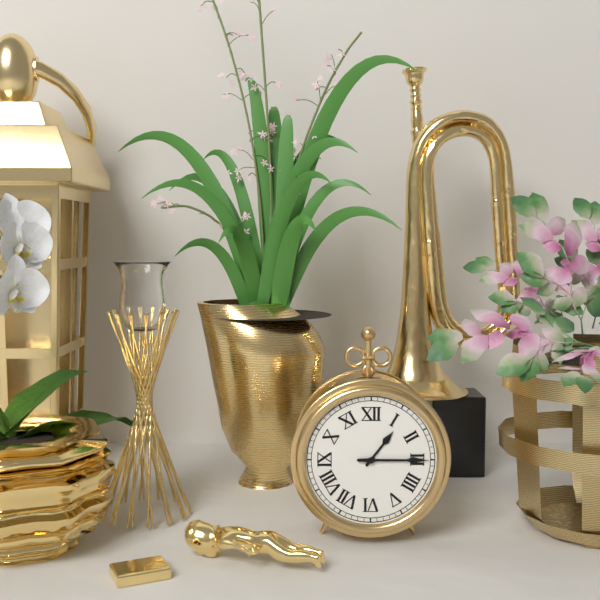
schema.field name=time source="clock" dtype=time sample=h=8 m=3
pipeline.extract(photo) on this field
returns h=1 m=15
